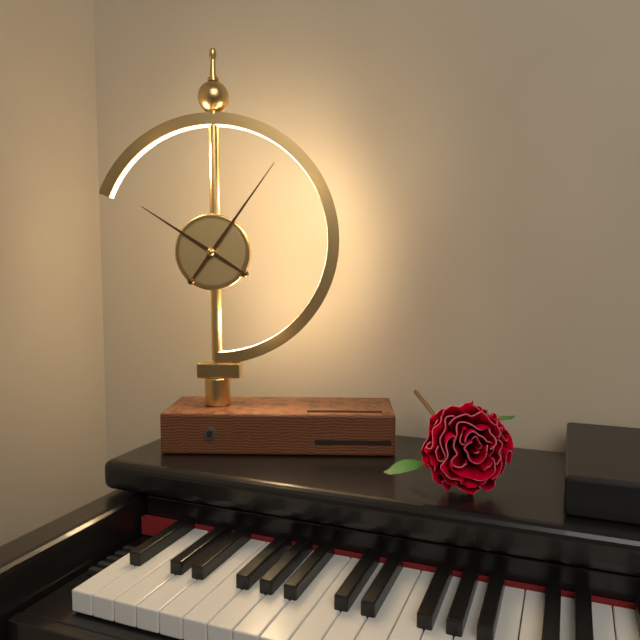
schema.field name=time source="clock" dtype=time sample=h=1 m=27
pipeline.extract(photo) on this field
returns h=10 m=6
